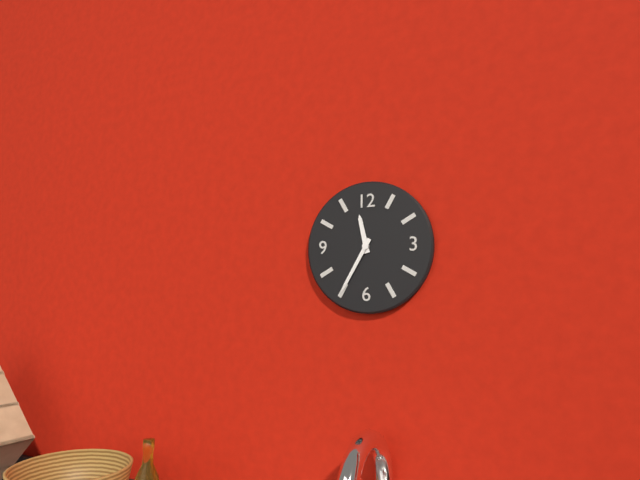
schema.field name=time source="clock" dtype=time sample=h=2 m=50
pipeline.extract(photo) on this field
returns h=11 m=35
